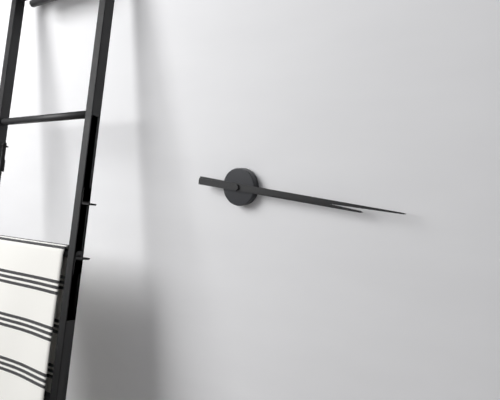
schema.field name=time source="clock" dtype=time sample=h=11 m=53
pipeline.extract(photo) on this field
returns h=3 m=16
